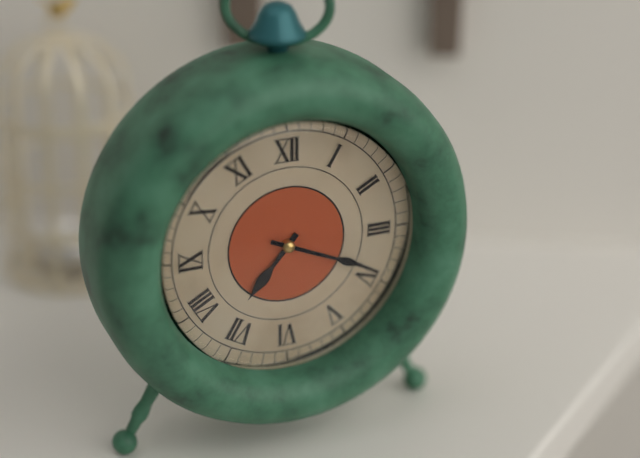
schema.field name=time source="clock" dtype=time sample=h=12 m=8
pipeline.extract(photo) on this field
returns h=7 m=19
